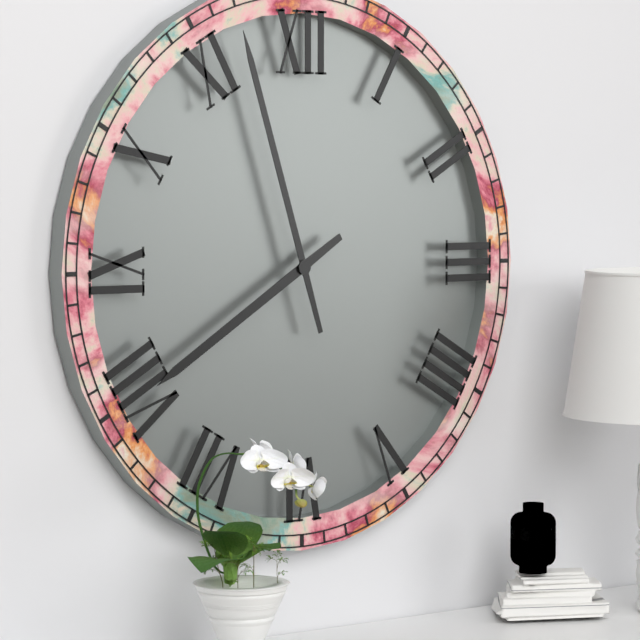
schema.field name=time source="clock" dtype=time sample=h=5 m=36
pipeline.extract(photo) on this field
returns h=7 m=57
